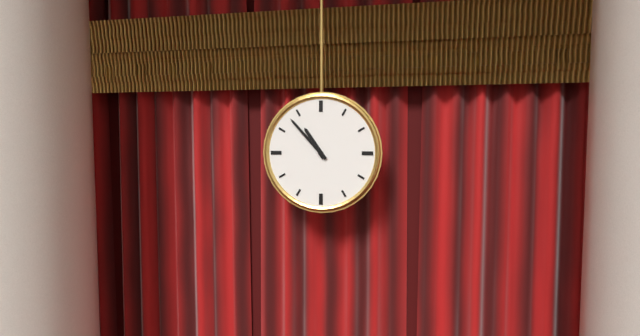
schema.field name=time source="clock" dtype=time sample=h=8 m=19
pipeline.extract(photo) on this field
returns h=10 m=53
